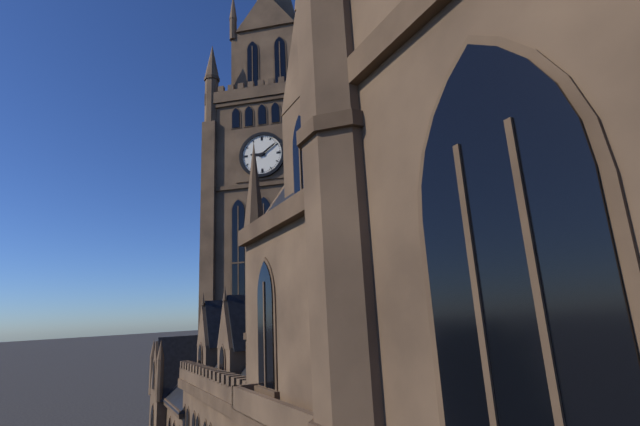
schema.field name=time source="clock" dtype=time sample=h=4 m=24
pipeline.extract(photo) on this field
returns h=9 m=9
